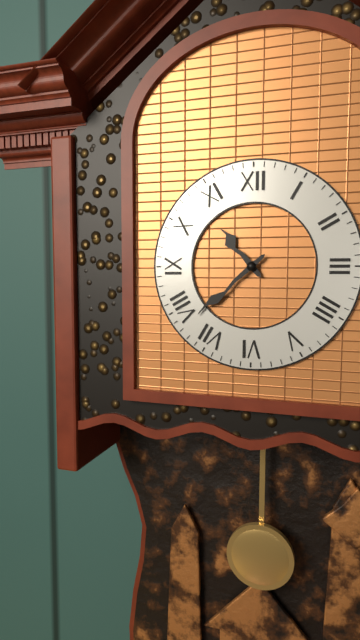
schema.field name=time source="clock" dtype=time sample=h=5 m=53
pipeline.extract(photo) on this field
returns h=10 m=38
